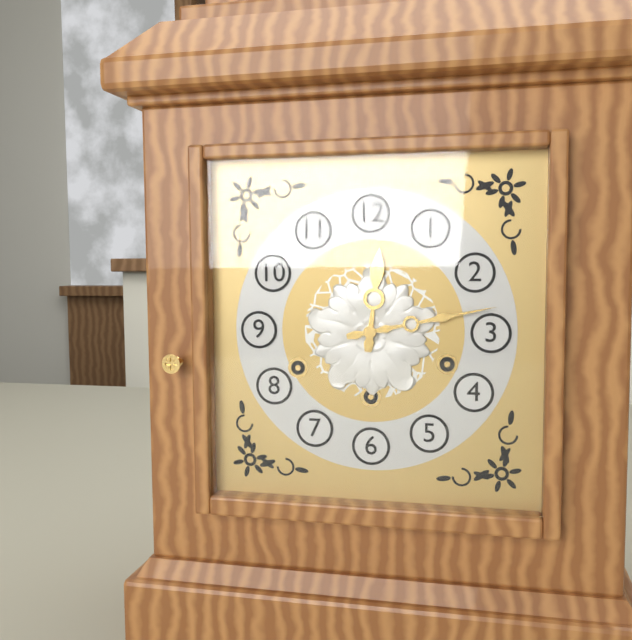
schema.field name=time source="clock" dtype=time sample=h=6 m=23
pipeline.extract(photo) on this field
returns h=12 m=13
